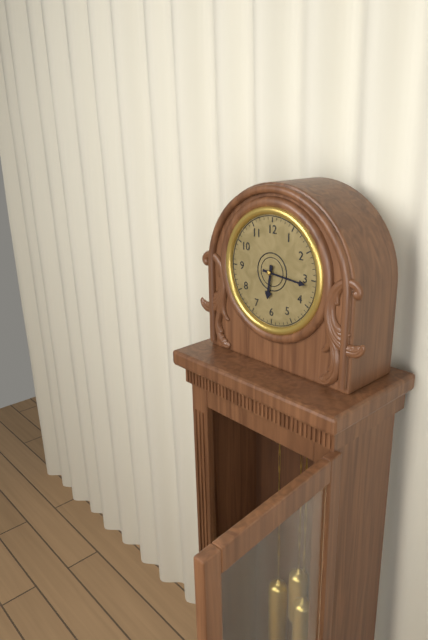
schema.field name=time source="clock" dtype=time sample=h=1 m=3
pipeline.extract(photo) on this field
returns h=6 m=16
